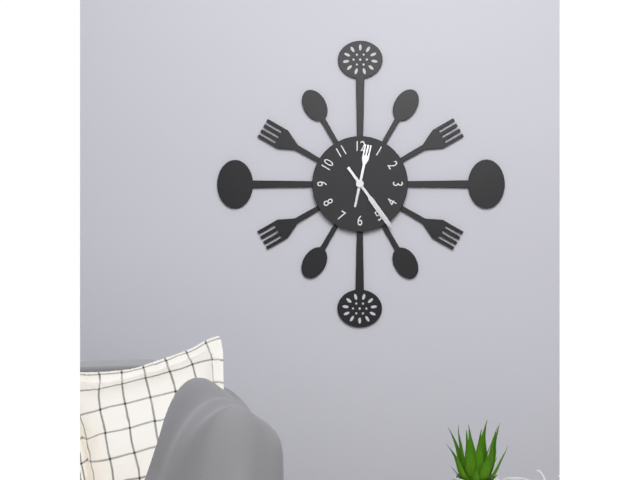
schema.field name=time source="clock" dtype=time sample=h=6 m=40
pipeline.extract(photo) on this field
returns h=12 m=24
